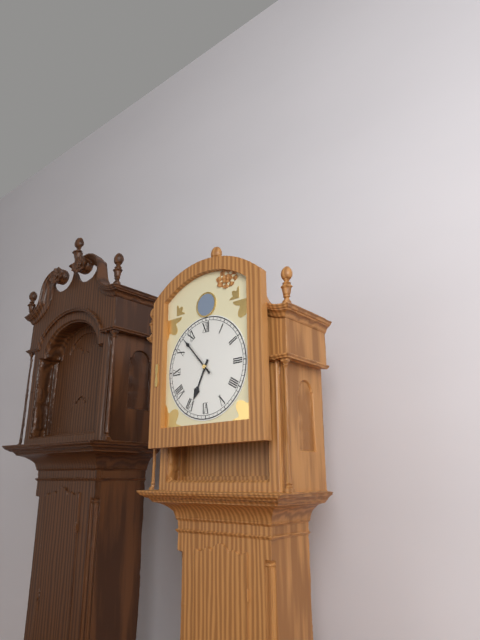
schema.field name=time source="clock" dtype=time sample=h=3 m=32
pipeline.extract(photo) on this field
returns h=6 m=53
